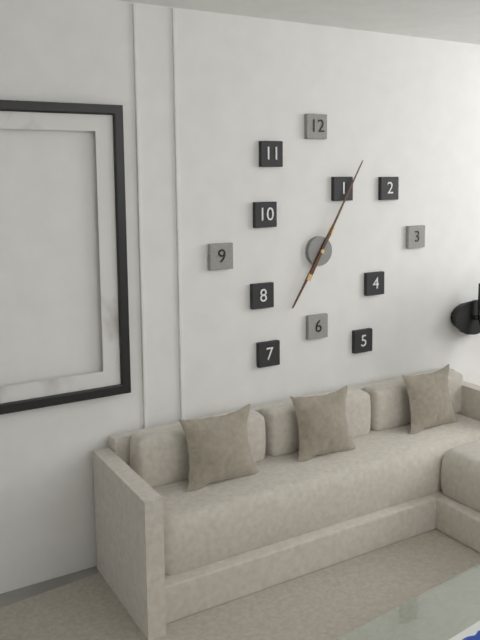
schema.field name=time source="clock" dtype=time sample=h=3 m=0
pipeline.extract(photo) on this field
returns h=7 m=5
